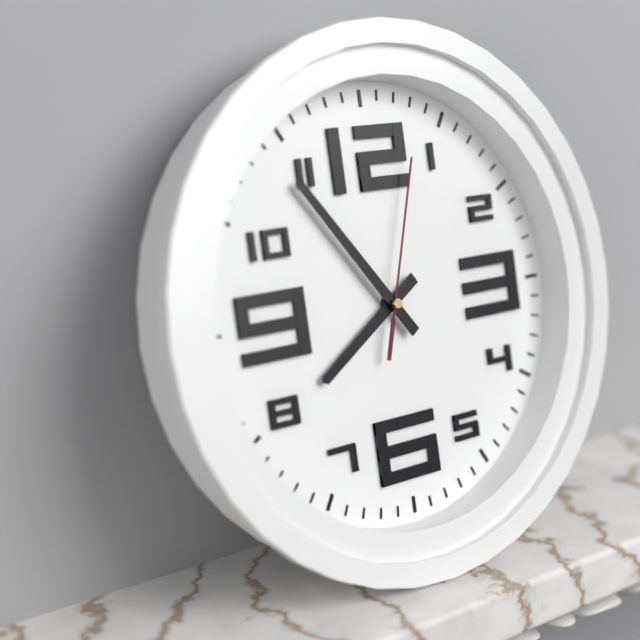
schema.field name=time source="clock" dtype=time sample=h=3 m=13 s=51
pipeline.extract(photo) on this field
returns h=7 m=54 s=3
